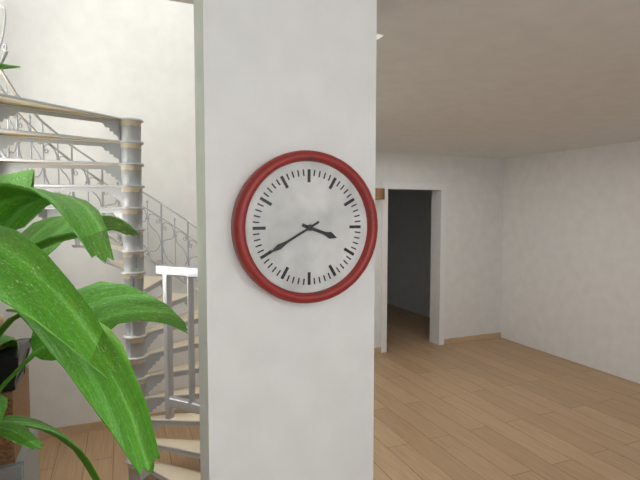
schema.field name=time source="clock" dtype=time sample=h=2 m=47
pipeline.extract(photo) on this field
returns h=3 m=40
